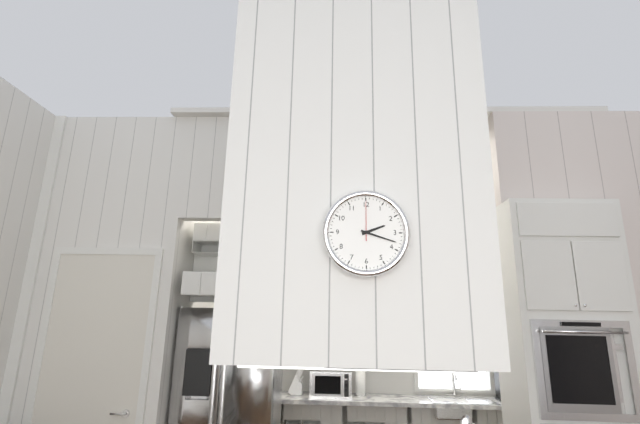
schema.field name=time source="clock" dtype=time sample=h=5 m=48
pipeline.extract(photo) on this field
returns h=2 m=18
